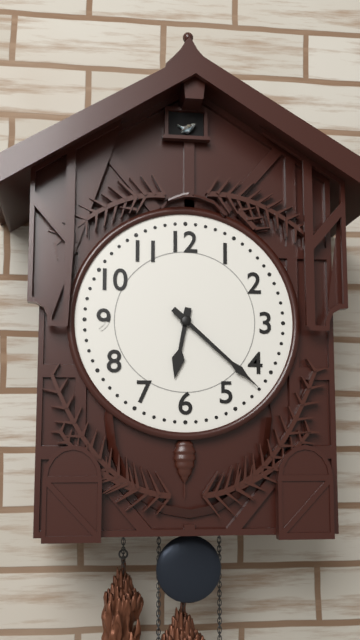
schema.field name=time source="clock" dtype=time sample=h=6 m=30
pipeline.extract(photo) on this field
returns h=6 m=22
